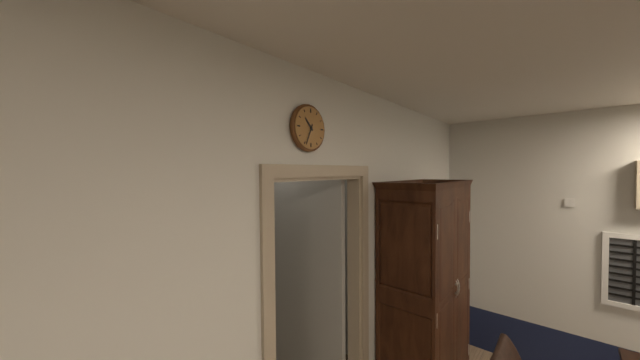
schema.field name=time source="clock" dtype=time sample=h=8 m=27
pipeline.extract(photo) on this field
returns h=10 m=34
